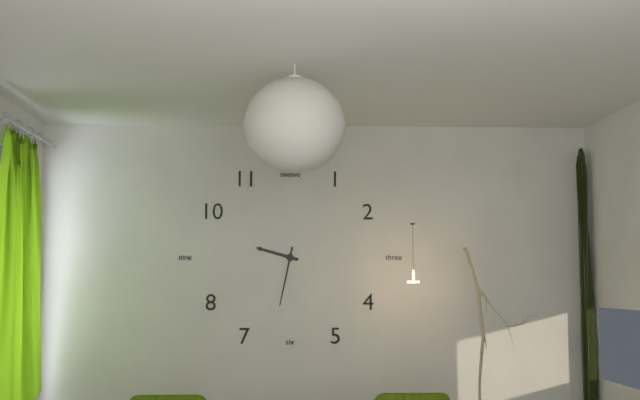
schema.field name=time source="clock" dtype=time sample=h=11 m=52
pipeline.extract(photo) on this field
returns h=9 m=32
